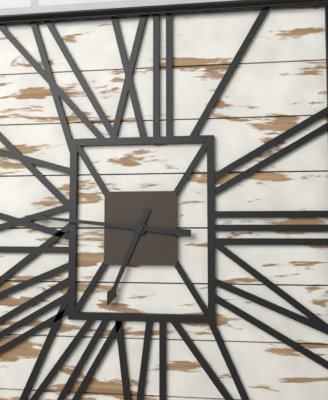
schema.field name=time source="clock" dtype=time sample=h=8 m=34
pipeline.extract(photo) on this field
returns h=6 m=46
